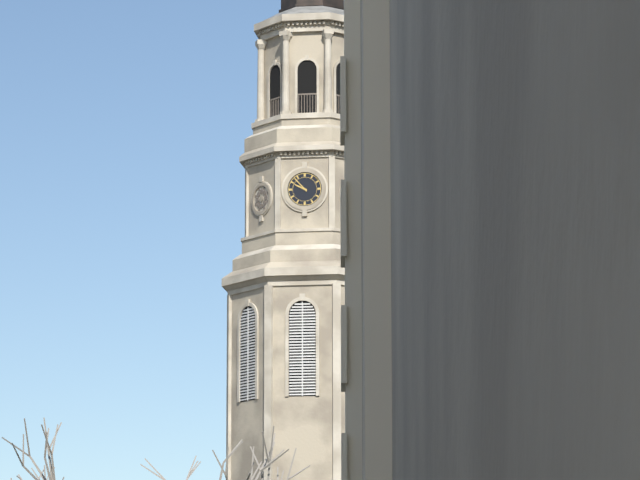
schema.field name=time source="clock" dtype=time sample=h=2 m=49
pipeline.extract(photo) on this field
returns h=9 m=53
